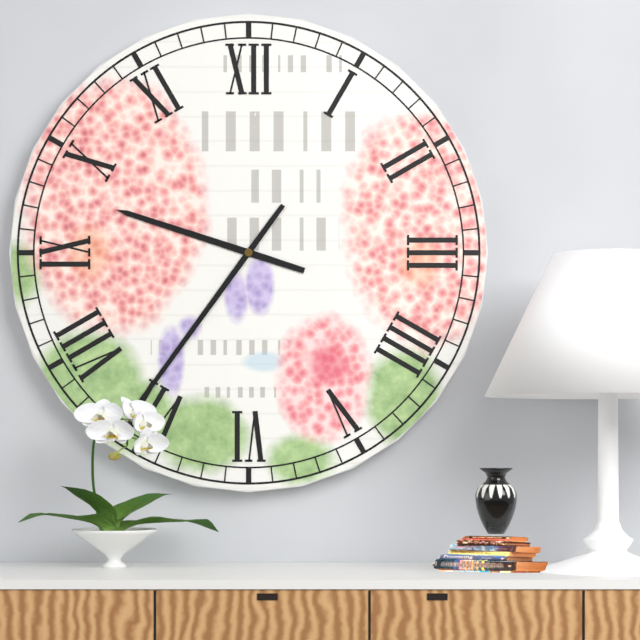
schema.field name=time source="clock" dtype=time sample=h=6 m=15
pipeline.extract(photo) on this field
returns h=9 m=36
